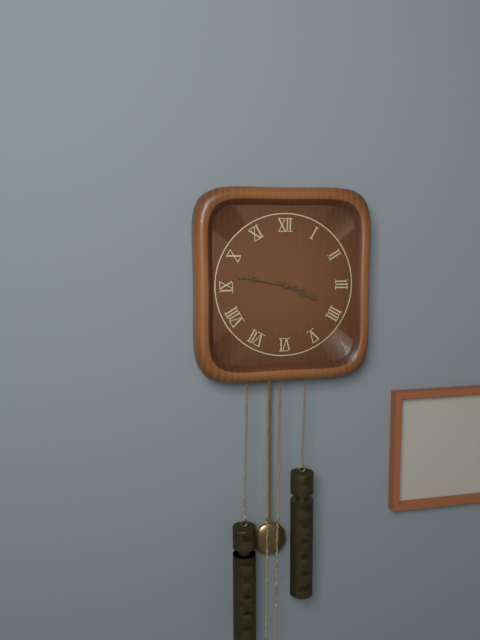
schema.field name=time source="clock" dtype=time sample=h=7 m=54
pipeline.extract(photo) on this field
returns h=3 m=47
